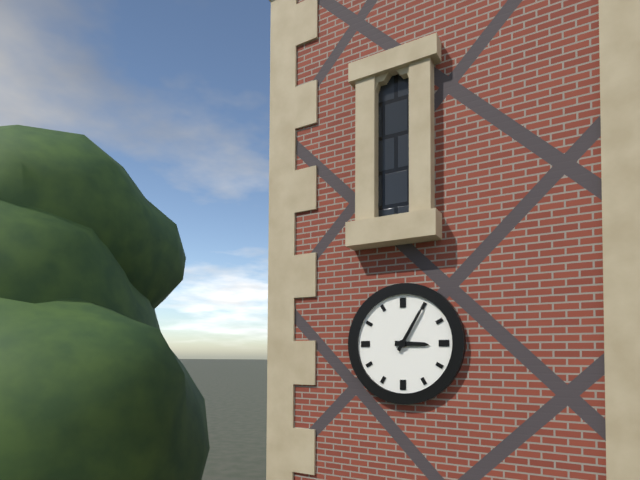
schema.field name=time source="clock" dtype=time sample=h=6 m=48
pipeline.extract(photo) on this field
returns h=3 m=5
